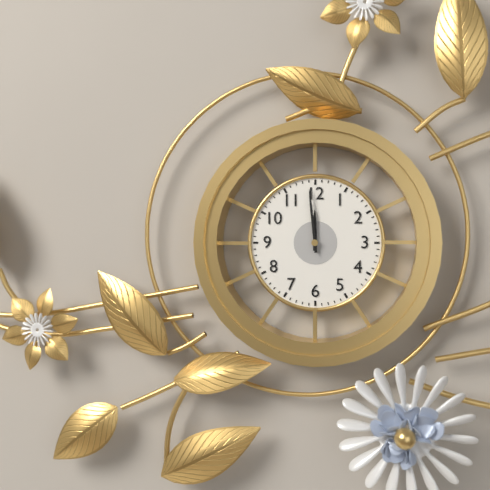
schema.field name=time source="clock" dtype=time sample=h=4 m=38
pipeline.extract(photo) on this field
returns h=11 m=59
